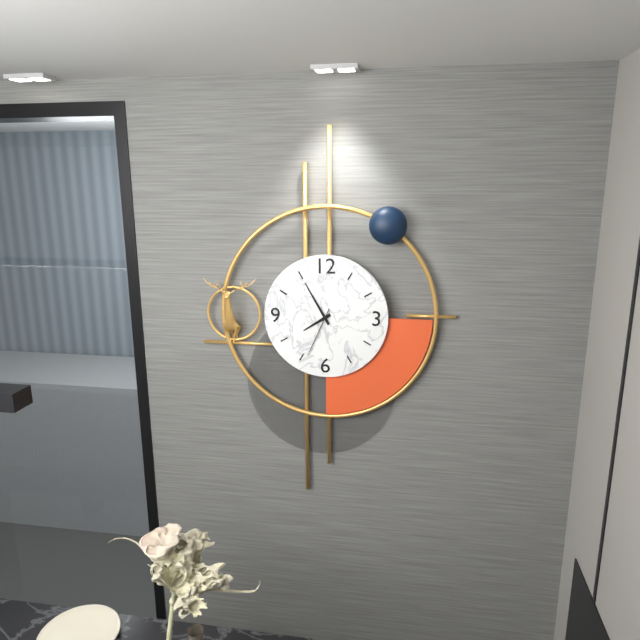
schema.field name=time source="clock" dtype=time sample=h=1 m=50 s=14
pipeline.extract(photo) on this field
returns h=7 m=55 s=34
